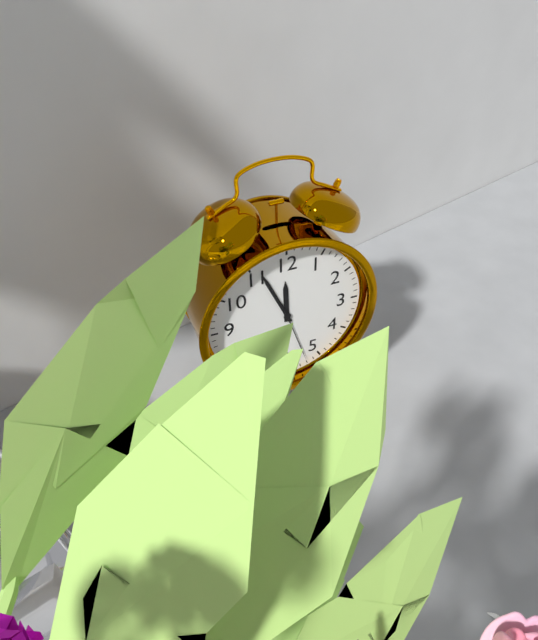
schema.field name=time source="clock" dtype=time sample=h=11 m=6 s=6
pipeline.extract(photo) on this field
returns h=11 m=56 s=27
